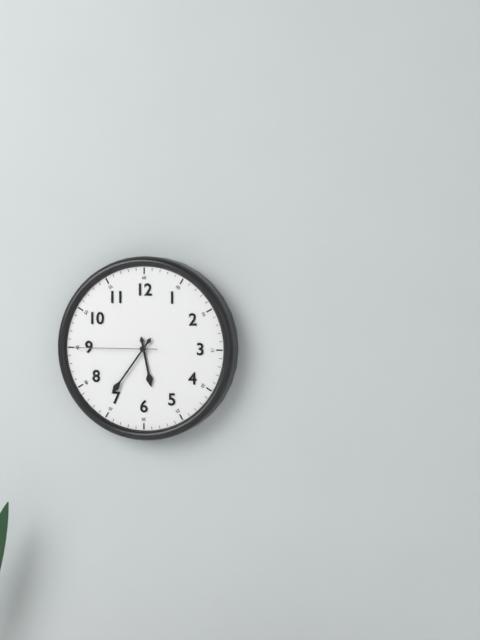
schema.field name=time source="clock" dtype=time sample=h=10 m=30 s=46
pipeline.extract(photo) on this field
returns h=5 m=36 s=45
